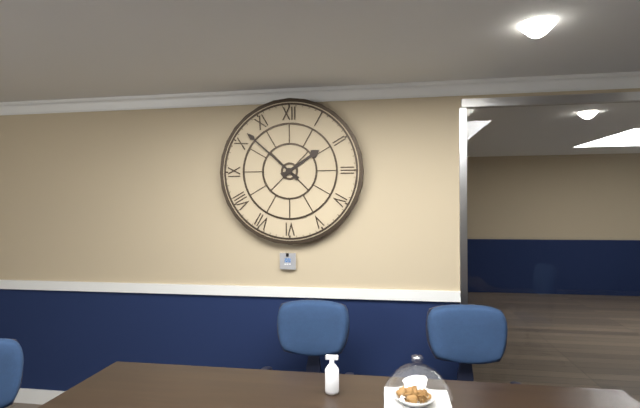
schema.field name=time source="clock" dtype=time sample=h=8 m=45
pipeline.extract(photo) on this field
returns h=1 m=52
